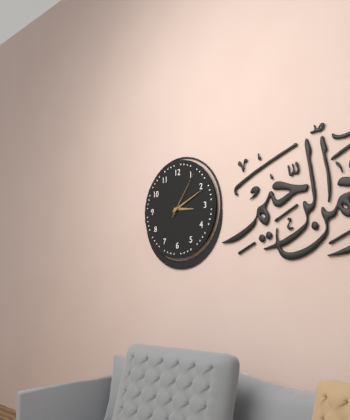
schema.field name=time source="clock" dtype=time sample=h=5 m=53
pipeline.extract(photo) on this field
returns h=3 m=11
